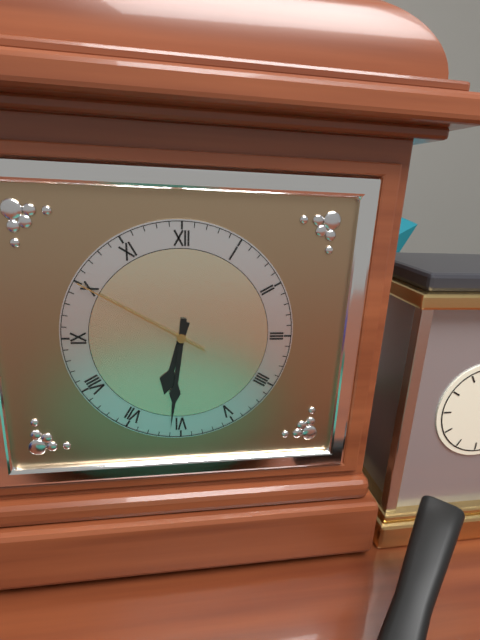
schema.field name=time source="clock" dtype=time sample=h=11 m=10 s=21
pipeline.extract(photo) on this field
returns h=6 m=31 s=50
